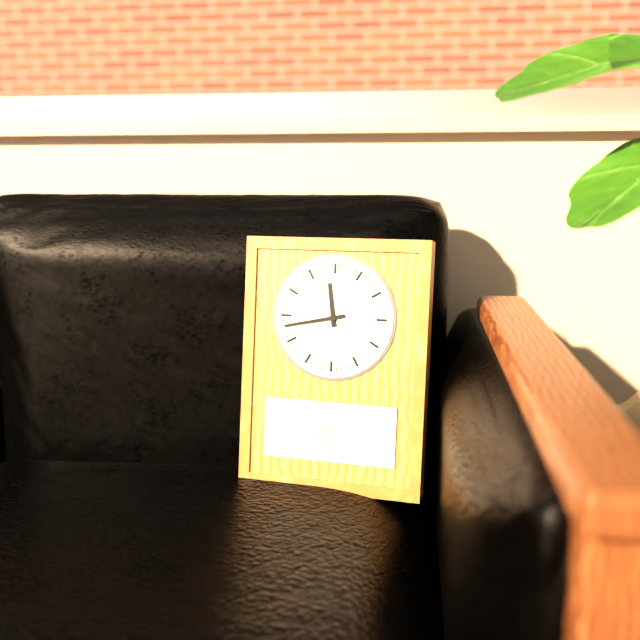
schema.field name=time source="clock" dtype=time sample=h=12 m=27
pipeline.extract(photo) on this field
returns h=11 m=43
